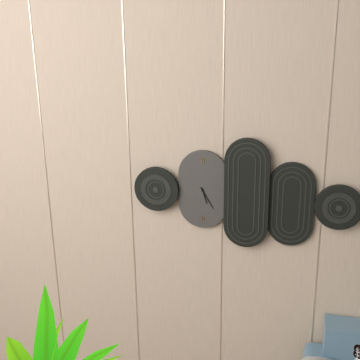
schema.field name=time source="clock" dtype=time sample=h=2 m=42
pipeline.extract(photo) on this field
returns h=5 m=25
